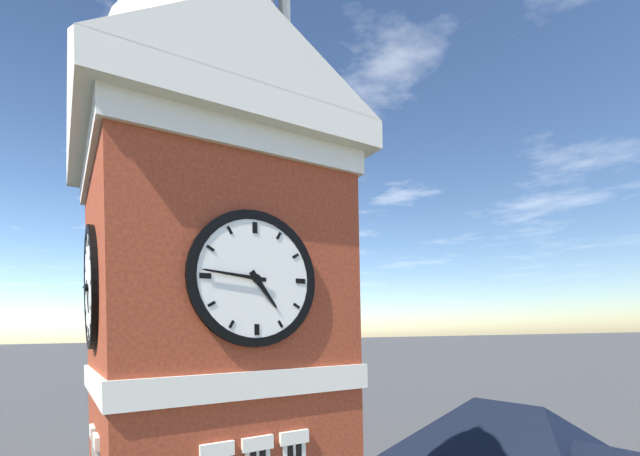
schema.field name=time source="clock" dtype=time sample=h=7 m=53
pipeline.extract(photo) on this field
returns h=4 m=46
